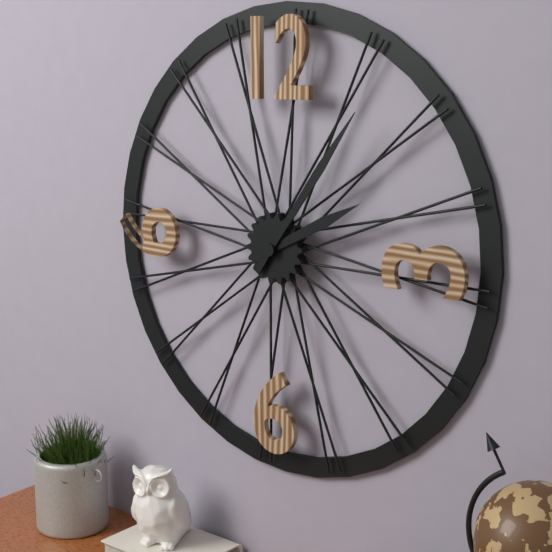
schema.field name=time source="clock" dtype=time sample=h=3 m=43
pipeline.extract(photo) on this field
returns h=2 m=6
